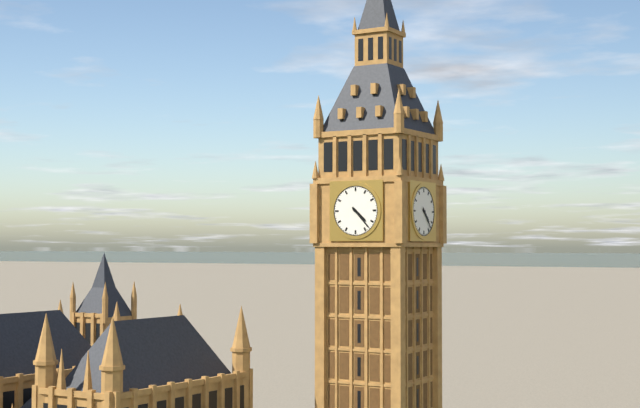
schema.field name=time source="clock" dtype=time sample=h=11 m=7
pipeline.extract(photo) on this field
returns h=4 m=23
